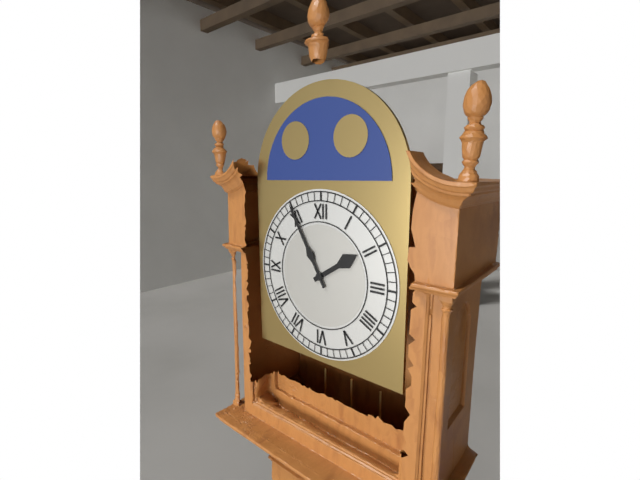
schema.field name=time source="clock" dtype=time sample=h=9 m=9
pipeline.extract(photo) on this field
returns h=1 m=55
